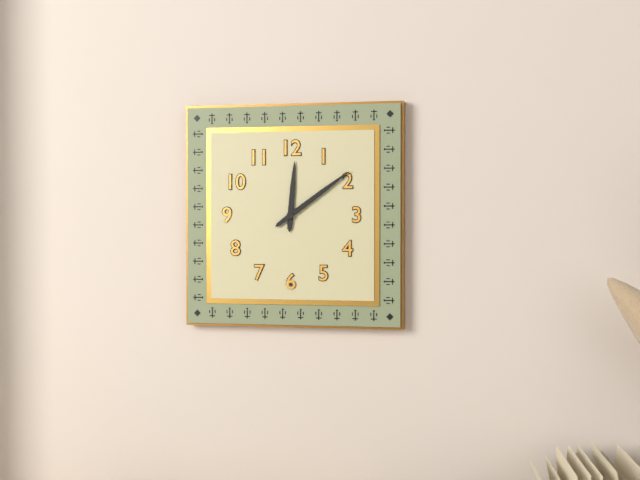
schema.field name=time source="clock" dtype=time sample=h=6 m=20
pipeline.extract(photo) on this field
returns h=12 m=9
